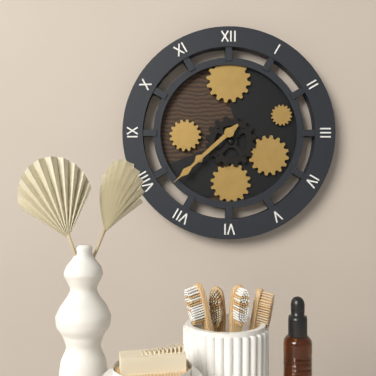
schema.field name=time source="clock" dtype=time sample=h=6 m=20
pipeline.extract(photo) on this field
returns h=7 m=38
